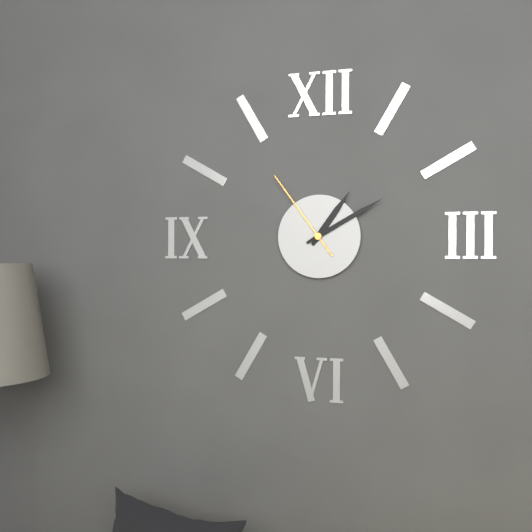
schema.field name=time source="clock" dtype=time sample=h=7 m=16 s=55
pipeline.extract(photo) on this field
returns h=1 m=10 s=54
